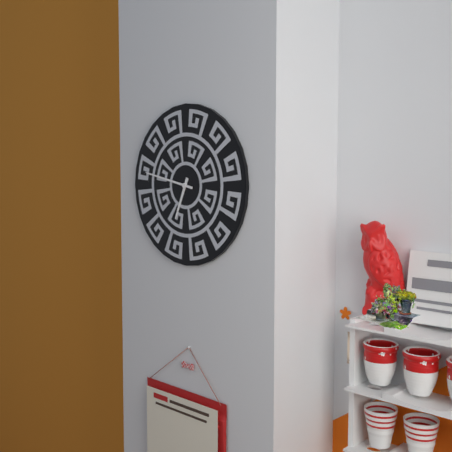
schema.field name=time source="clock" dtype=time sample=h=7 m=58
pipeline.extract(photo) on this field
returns h=6 m=47
